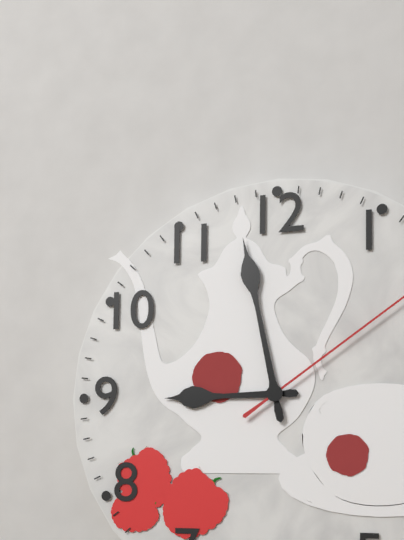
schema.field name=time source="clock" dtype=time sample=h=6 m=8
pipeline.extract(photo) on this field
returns h=8 m=58
